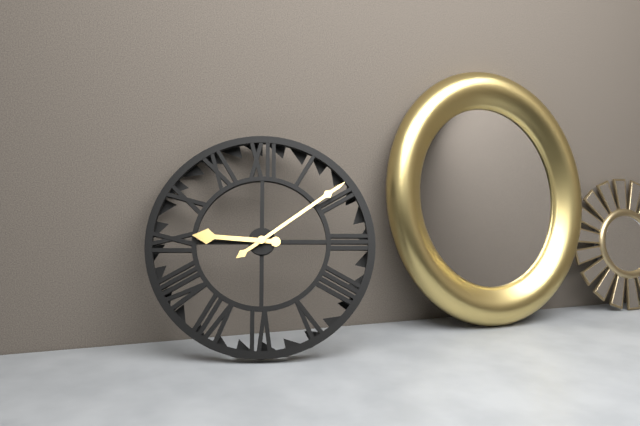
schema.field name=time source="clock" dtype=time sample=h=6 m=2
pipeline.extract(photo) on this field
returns h=9 m=9
